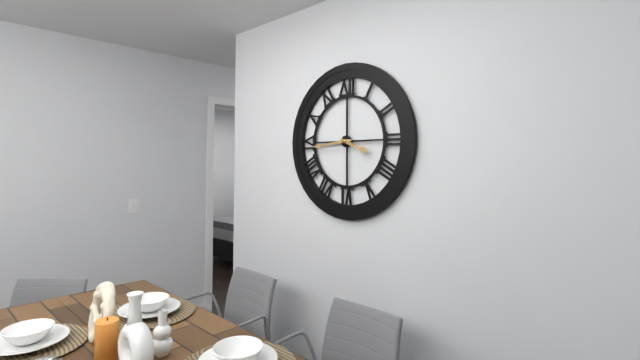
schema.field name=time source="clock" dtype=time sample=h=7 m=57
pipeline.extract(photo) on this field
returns h=3 m=44
